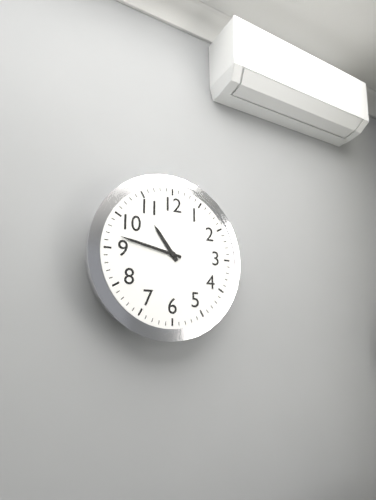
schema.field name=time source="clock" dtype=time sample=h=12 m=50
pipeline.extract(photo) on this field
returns h=10 m=47
